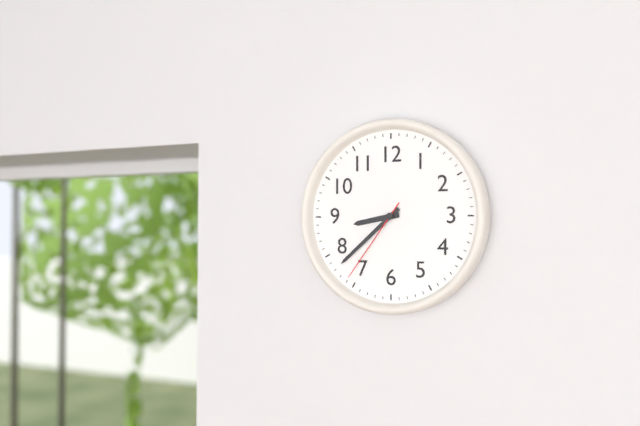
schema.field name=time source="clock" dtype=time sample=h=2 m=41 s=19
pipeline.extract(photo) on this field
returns h=8 m=38 s=36
